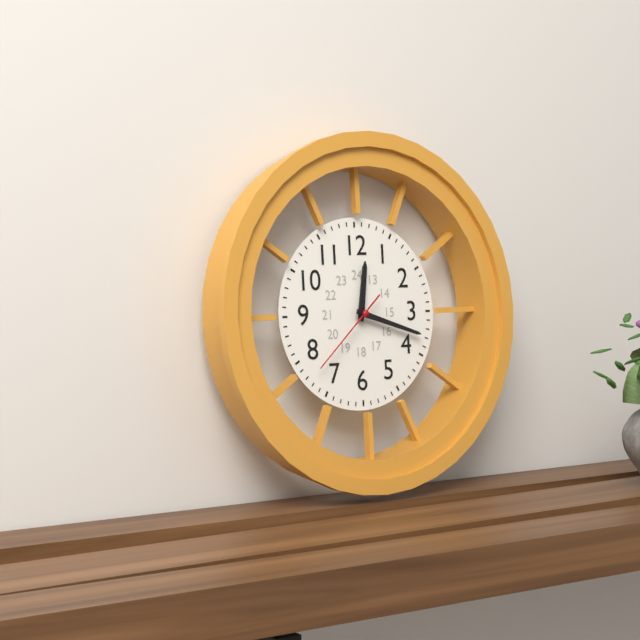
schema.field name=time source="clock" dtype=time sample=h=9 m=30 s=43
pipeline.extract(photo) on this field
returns h=12 m=18 s=38
